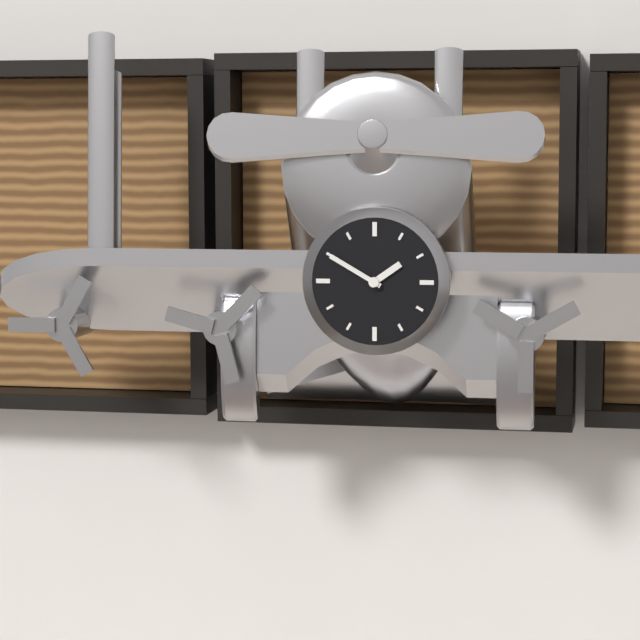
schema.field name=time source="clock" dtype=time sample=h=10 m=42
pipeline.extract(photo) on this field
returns h=1 m=50
